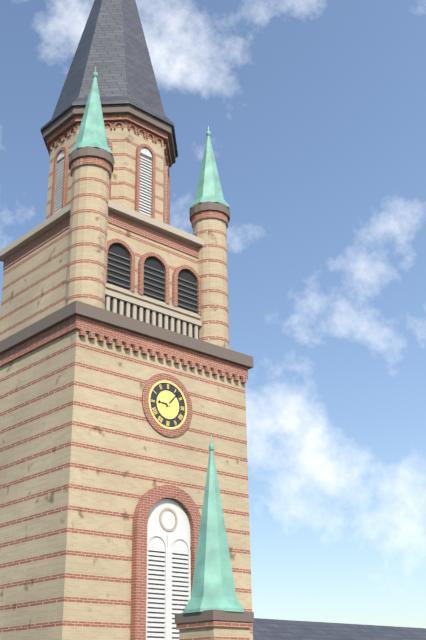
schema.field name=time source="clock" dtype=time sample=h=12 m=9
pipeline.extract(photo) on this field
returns h=9 m=7
